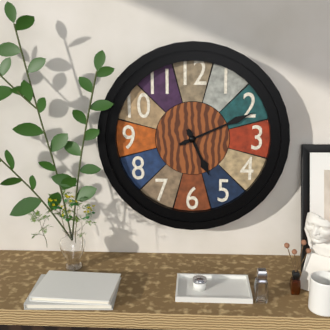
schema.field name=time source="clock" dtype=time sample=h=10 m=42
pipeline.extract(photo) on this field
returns h=5 m=11
